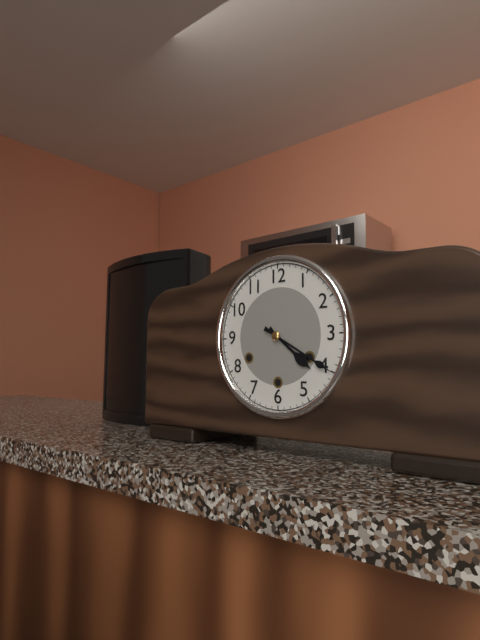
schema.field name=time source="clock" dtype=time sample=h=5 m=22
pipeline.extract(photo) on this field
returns h=4 m=20
